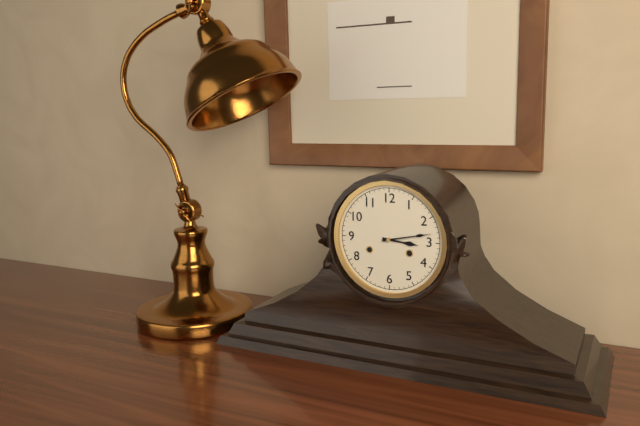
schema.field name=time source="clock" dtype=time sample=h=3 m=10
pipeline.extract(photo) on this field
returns h=3 m=13
